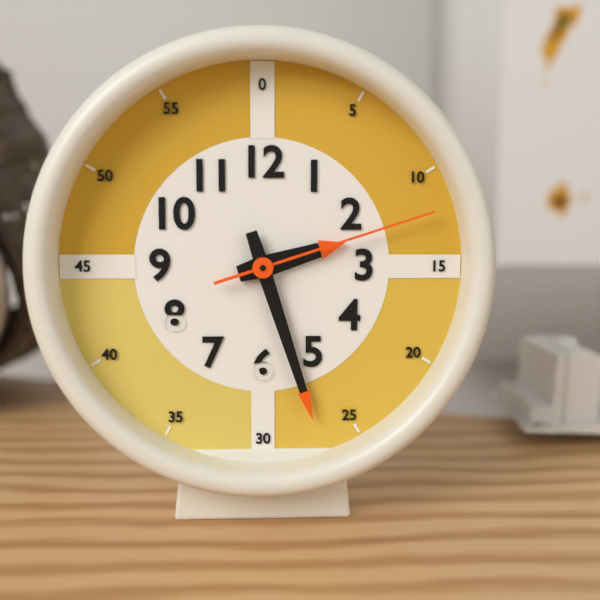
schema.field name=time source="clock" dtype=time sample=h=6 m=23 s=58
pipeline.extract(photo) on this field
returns h=2 m=27 s=12
